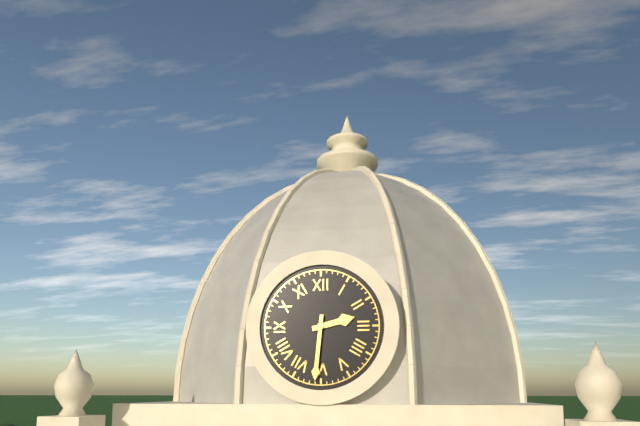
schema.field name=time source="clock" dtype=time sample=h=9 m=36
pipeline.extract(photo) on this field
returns h=2 m=31
